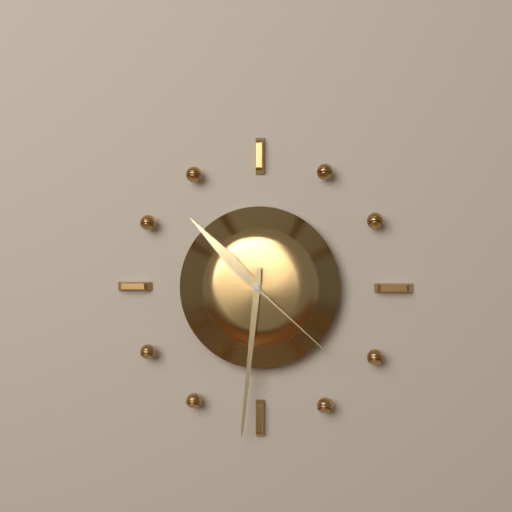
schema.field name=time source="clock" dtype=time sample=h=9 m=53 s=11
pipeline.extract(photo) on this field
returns h=10 m=31 s=22
